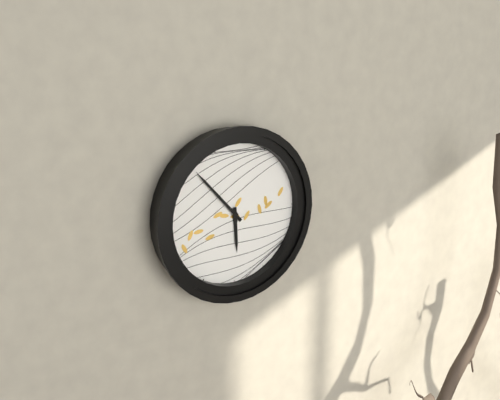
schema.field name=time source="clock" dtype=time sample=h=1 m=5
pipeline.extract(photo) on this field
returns h=5 m=53
